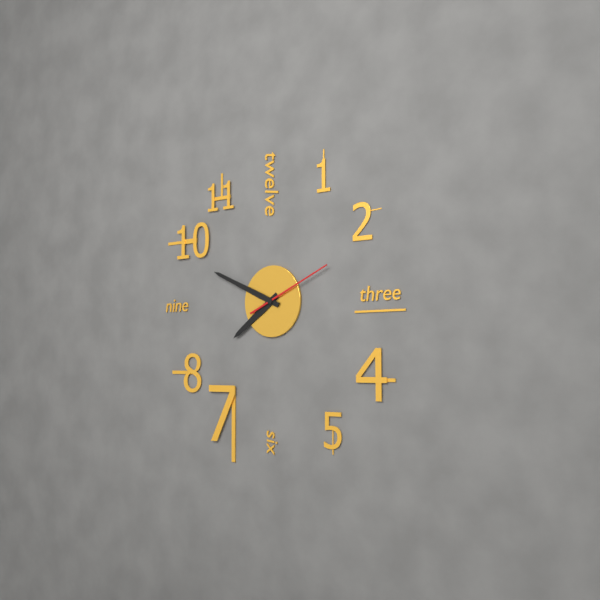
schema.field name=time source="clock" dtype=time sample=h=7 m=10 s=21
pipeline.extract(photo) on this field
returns h=7 m=49 s=11
